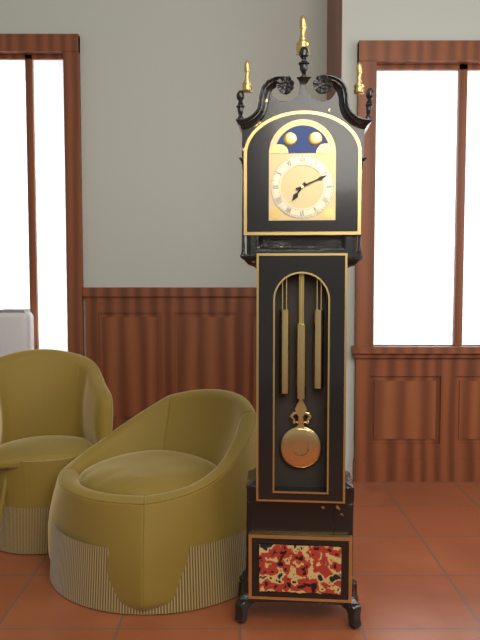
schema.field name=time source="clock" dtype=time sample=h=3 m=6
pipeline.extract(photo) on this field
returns h=7 m=11
